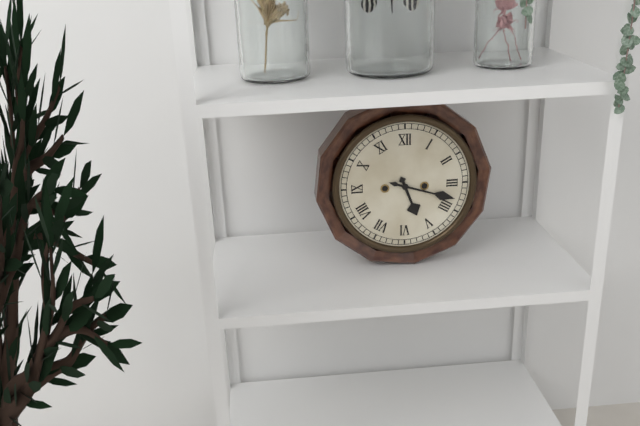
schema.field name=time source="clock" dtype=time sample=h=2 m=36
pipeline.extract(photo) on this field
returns h=5 m=18
